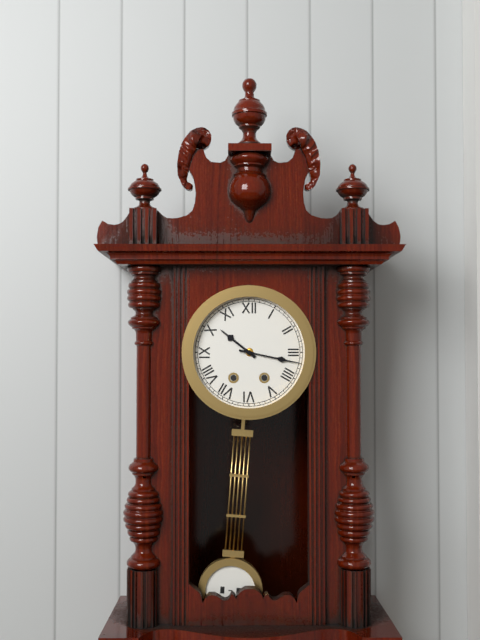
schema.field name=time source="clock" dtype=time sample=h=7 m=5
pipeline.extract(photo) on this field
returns h=10 m=17
